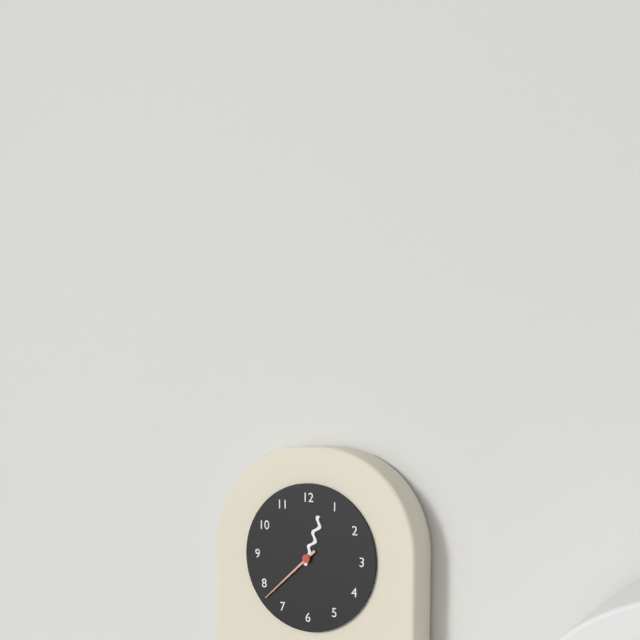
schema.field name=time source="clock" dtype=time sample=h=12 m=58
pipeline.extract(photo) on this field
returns h=12 m=38
